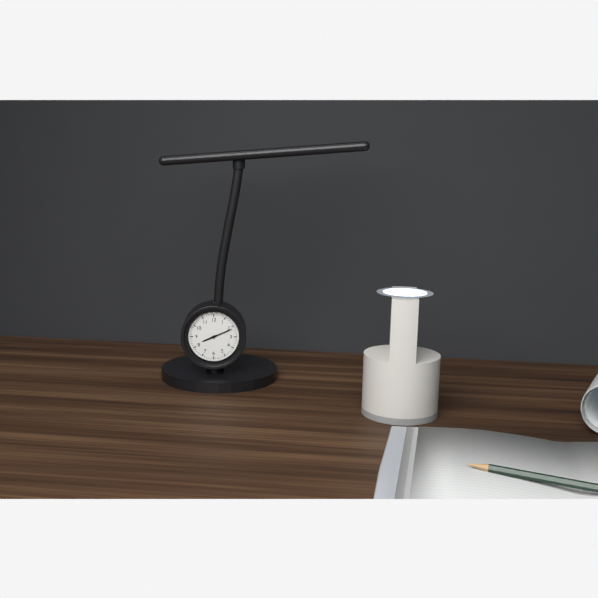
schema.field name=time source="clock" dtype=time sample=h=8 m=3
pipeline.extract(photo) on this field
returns h=8 m=11
